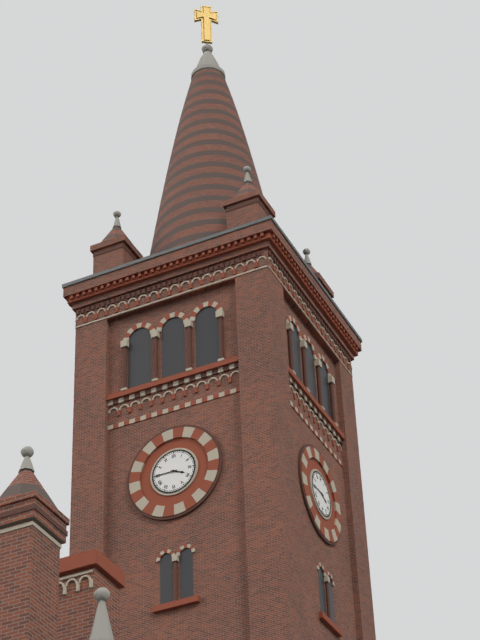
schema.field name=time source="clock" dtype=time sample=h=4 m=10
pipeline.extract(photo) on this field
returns h=3 m=45
